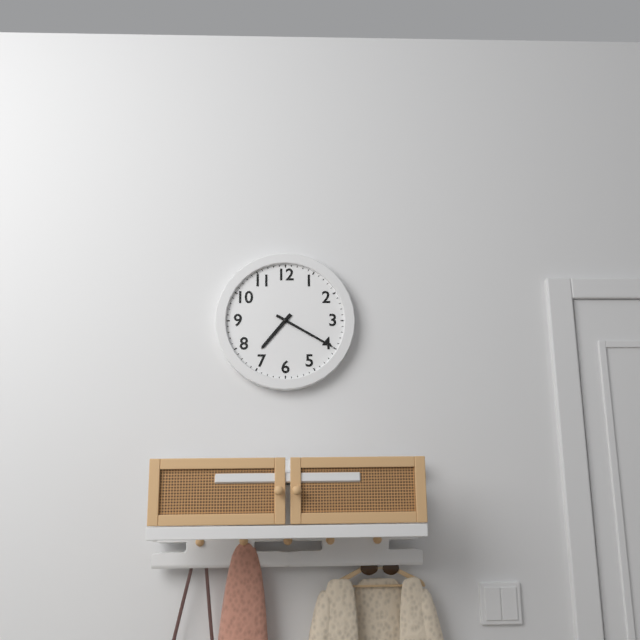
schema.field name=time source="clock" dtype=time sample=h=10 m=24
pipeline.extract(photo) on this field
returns h=7 m=20
